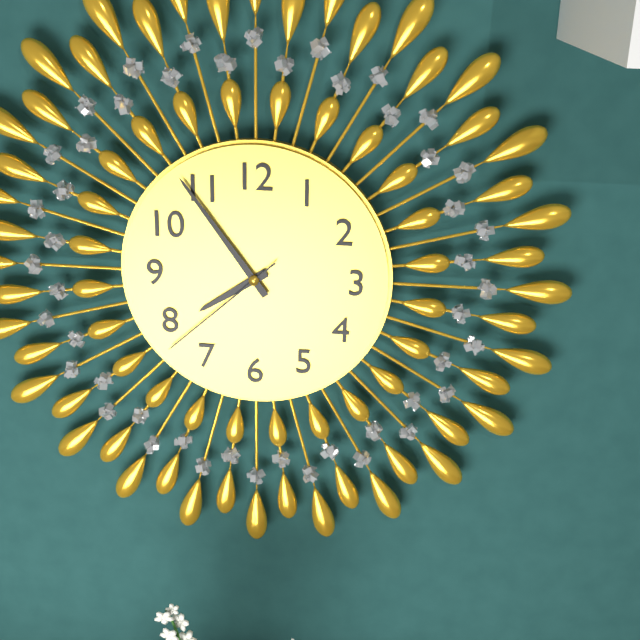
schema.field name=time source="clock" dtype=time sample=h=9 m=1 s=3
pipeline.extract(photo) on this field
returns h=7 m=54 s=38
